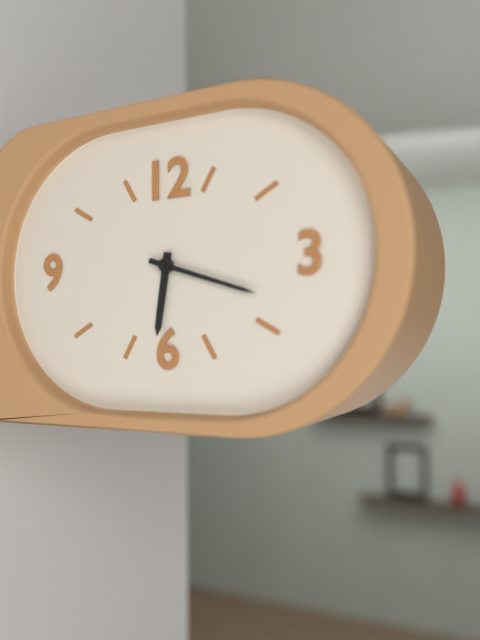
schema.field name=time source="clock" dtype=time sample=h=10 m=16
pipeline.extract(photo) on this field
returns h=6 m=18
